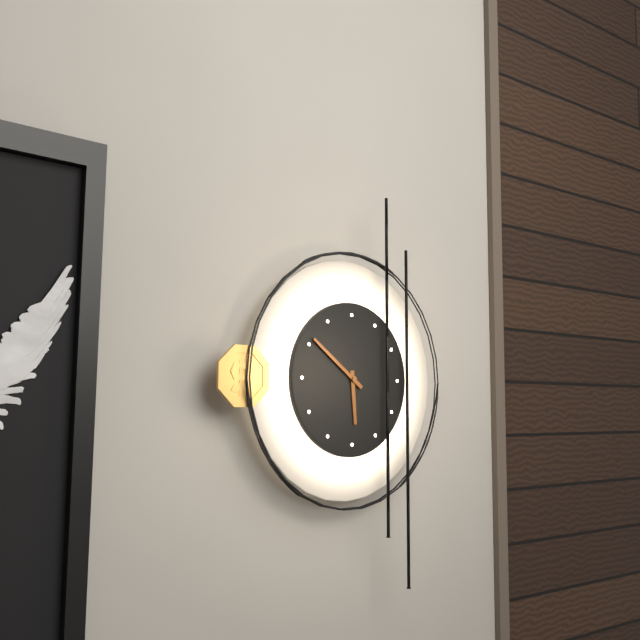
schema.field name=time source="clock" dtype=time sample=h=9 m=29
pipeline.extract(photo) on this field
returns h=5 m=51
